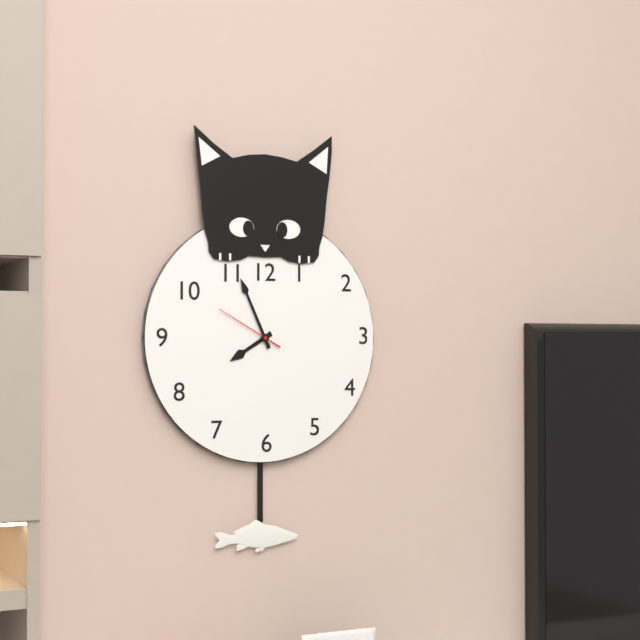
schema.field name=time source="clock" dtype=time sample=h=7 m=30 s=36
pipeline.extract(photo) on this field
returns h=7 m=56 s=50
